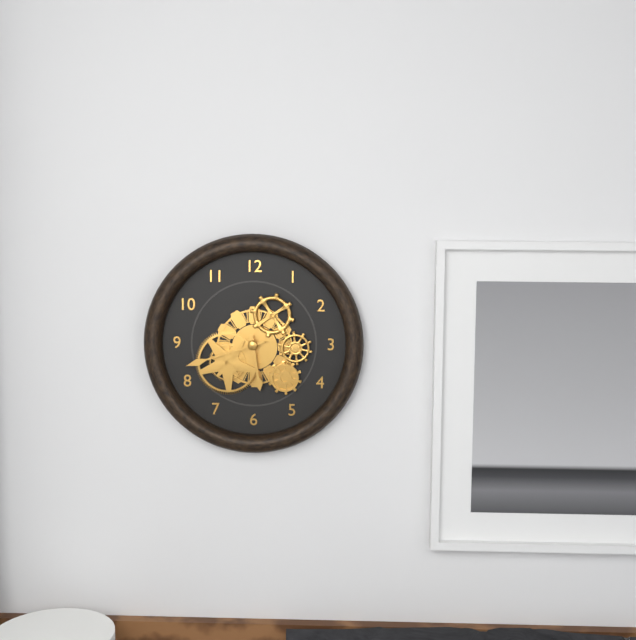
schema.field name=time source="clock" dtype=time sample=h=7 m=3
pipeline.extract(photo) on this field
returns h=5 m=42
